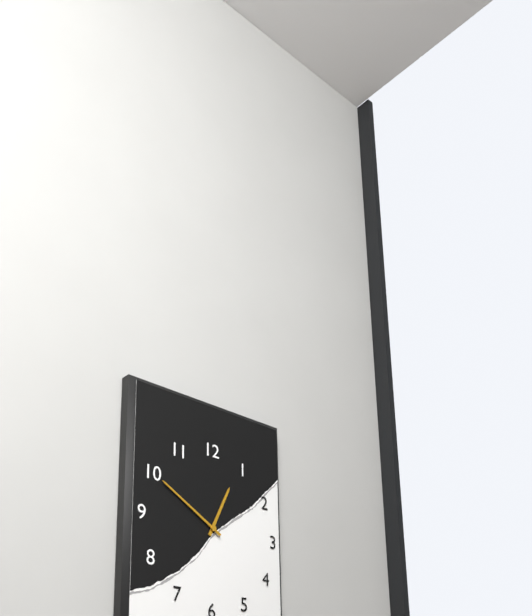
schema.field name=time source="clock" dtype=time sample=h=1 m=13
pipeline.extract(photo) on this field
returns h=12 m=50
